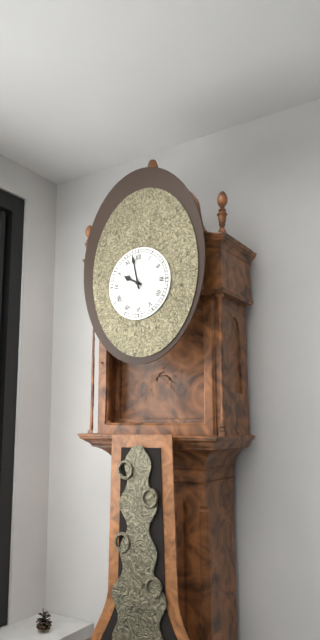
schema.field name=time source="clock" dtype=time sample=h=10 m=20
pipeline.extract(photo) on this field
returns h=9 m=58
